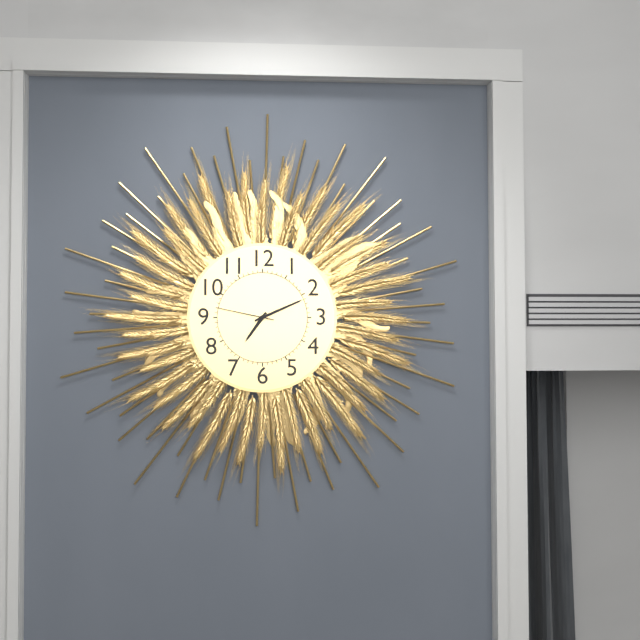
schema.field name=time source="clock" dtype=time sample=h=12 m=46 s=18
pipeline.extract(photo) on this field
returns h=7 m=11 s=47
